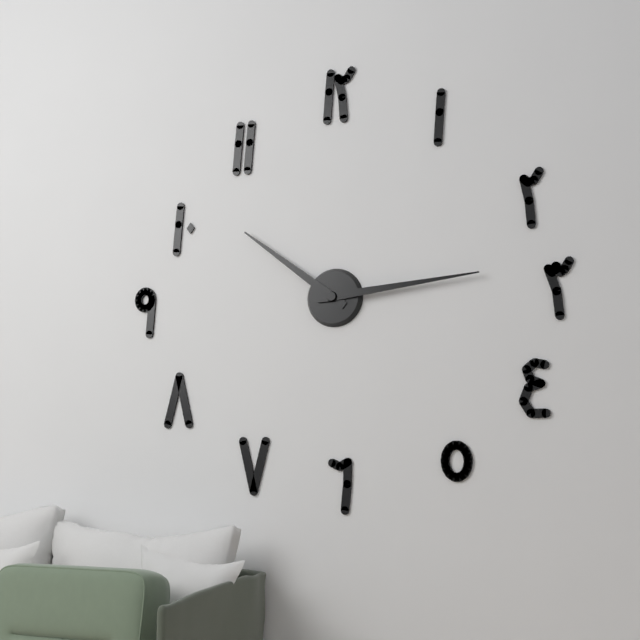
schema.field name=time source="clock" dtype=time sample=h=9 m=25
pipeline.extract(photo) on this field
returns h=10 m=14
